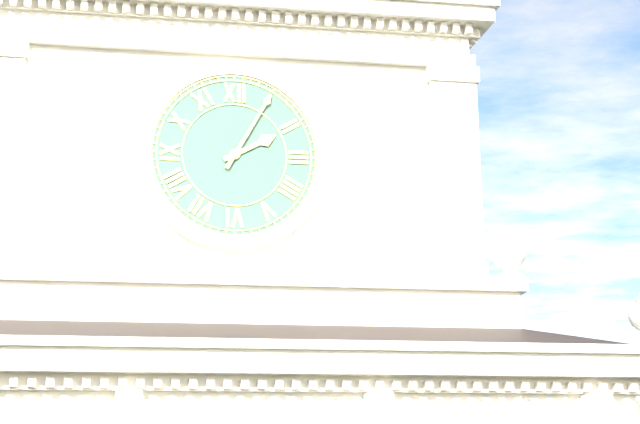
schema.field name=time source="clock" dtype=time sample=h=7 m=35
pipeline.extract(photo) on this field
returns h=2 m=5
